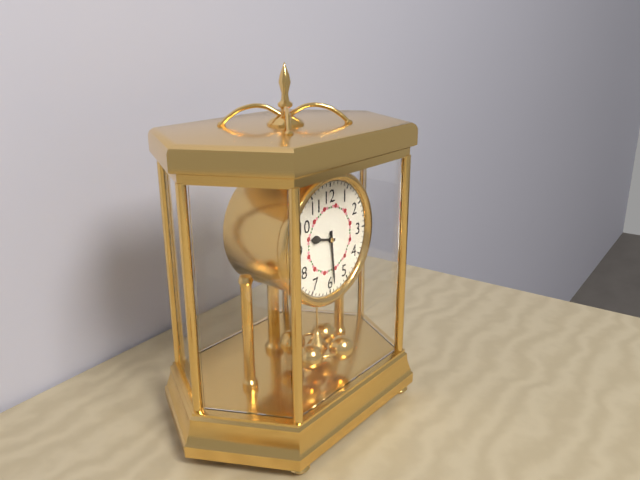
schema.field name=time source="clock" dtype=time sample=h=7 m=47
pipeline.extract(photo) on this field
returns h=9 m=29
